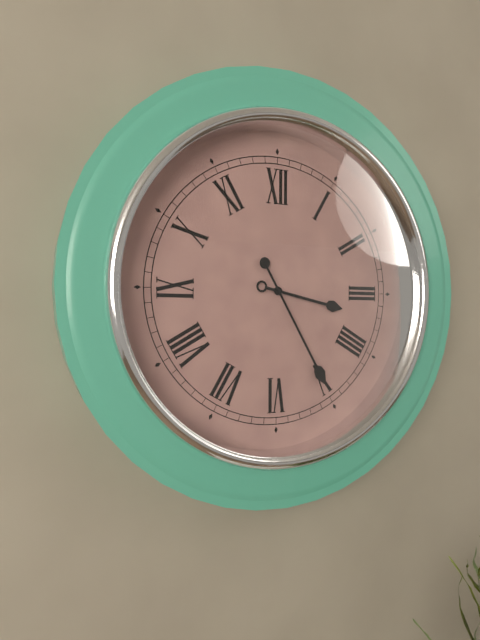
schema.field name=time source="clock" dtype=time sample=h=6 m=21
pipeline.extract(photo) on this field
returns h=3 m=25
